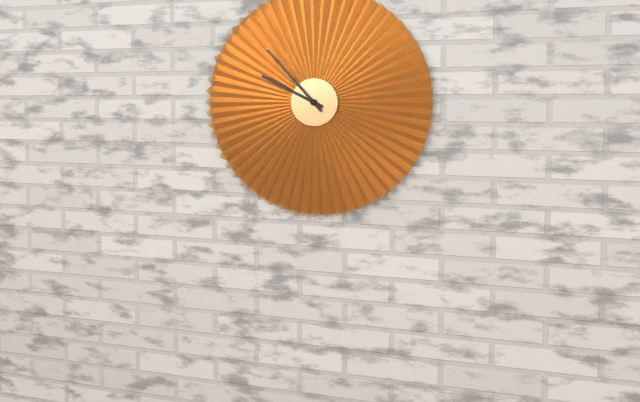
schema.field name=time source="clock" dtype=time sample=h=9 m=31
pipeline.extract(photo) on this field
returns h=9 m=53
